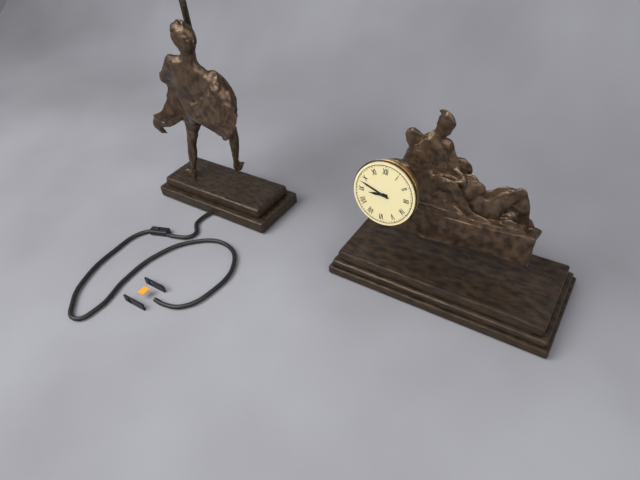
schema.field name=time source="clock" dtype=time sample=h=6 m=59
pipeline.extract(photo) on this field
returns h=8 m=48
